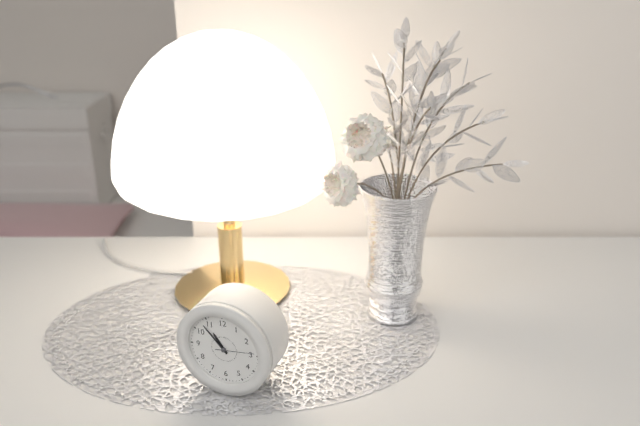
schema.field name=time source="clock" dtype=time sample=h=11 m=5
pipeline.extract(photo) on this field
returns h=10 m=53
